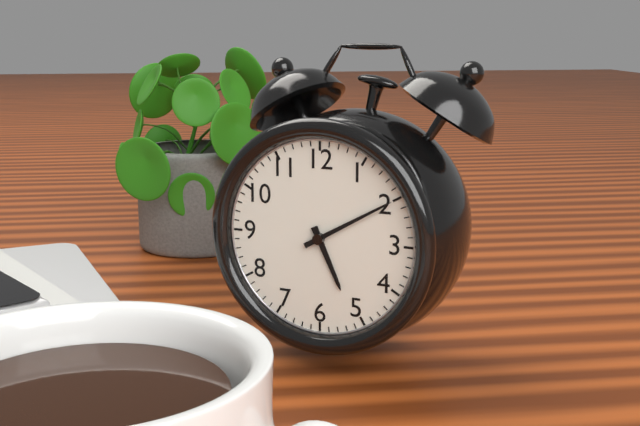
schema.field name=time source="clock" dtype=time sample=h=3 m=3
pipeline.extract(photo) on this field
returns h=5 m=10
